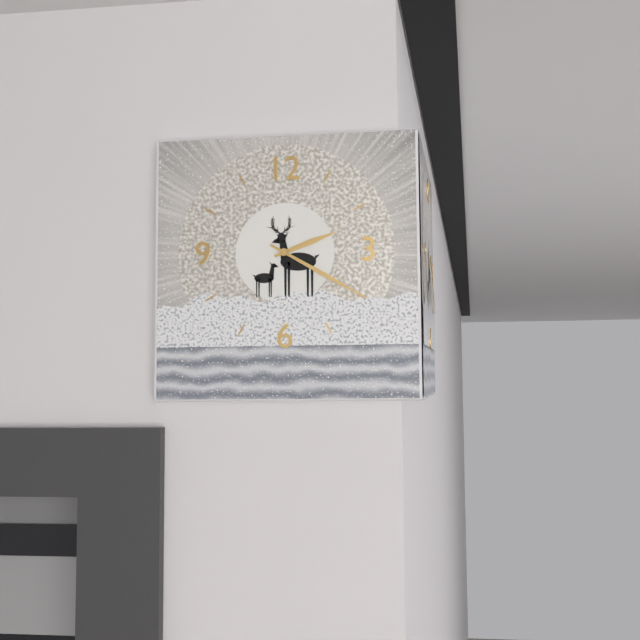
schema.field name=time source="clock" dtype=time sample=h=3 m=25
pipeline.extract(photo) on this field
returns h=2 m=20
